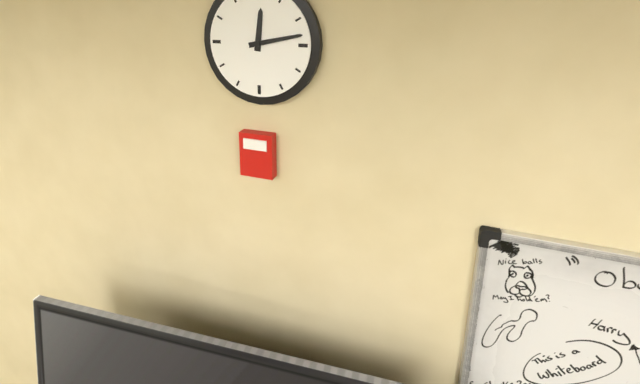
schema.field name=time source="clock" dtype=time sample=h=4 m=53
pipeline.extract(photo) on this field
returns h=12 m=13
